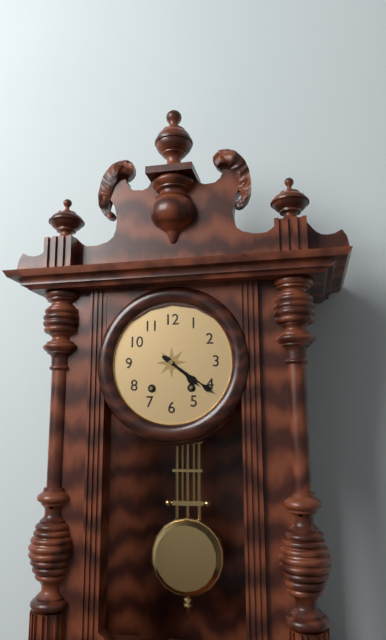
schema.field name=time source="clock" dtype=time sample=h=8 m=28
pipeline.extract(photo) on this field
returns h=4 m=21
